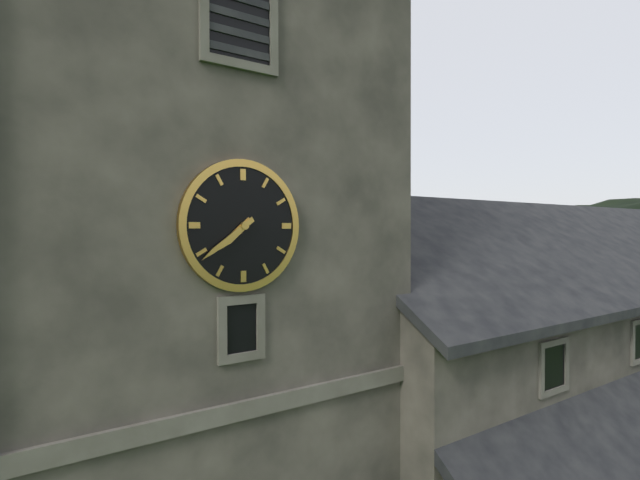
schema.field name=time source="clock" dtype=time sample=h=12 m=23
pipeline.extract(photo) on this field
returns h=7 m=39
